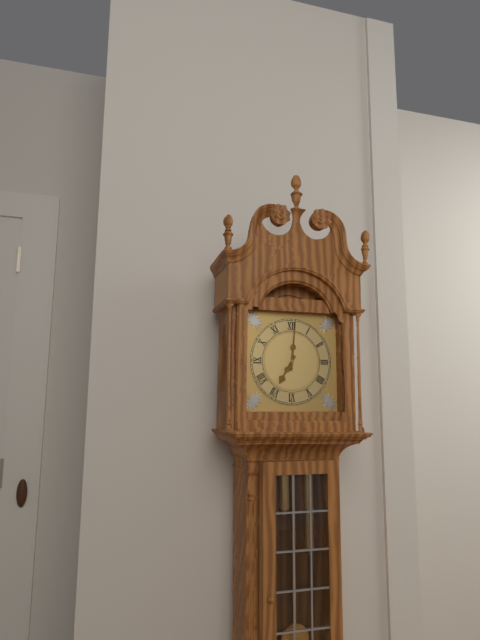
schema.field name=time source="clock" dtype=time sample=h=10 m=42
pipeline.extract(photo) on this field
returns h=7 m=1
